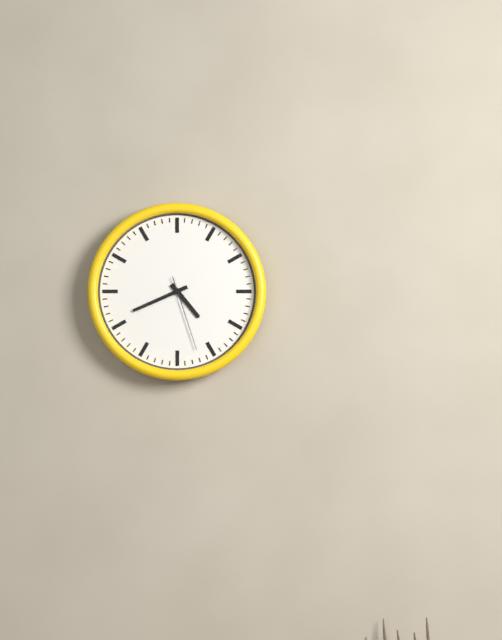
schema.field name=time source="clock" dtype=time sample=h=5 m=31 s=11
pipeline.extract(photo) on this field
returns h=4 m=41 s=27
